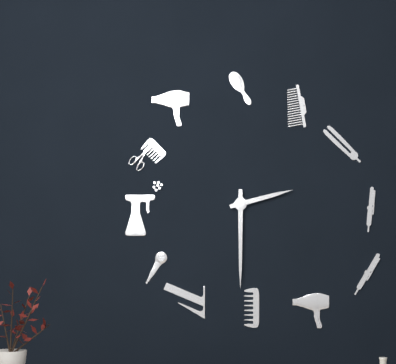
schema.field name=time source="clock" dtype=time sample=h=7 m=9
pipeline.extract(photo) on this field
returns h=2 m=30
